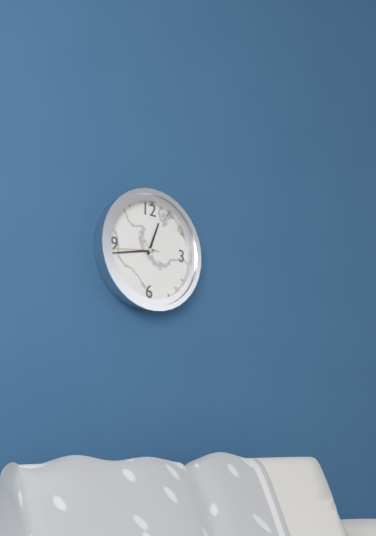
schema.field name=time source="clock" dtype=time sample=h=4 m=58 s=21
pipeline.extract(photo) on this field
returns h=12 m=43 s=44
